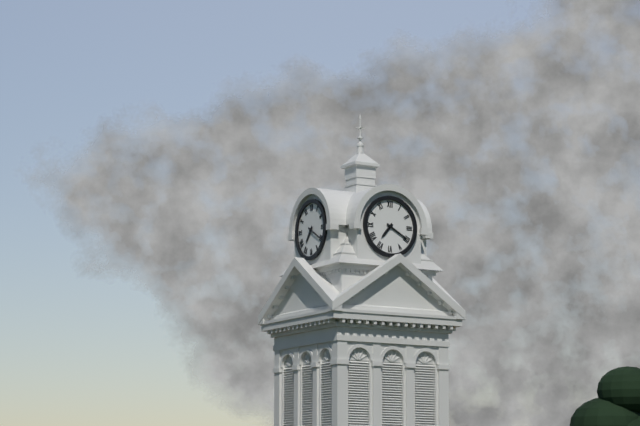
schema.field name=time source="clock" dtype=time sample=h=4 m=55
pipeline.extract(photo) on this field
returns h=7 m=20
